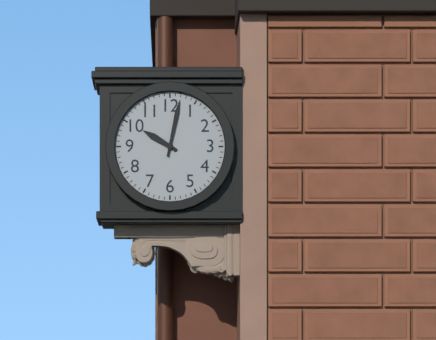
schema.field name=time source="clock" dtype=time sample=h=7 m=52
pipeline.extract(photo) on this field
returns h=10 m=2
